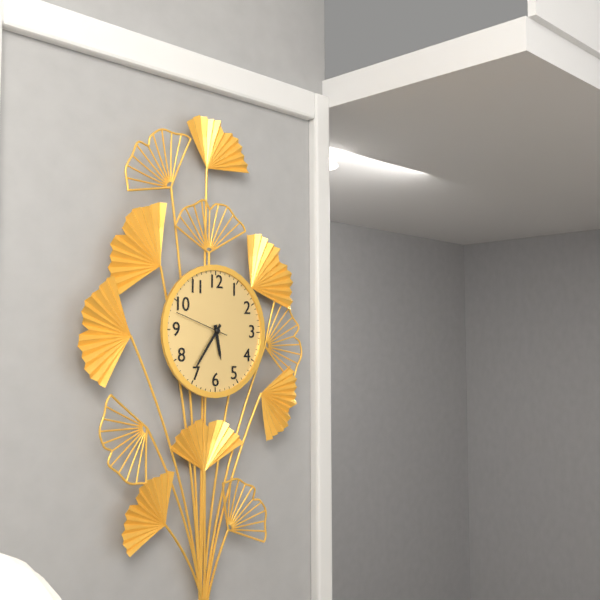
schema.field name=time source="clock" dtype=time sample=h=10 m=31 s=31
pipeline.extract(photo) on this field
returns h=5 m=36 s=48
